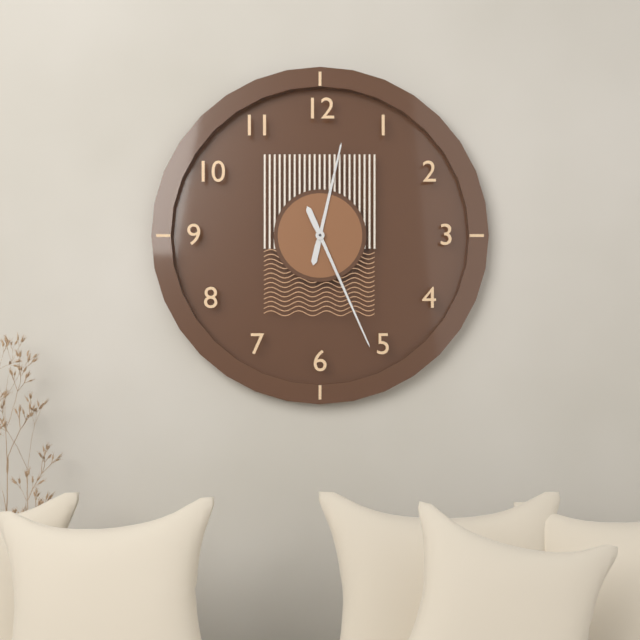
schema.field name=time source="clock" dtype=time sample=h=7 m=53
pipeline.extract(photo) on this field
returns h=12 m=26
